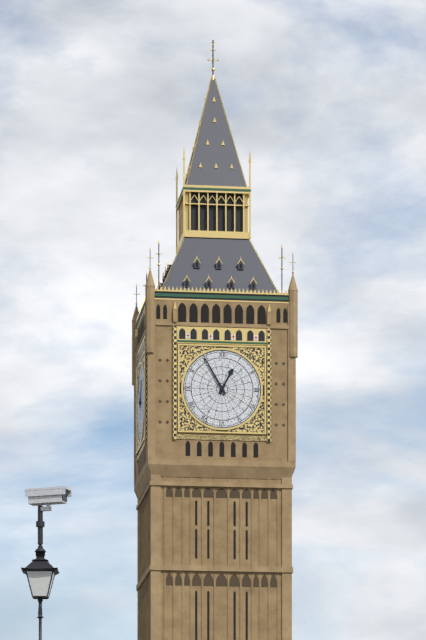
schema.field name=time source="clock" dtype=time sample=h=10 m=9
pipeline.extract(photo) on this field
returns h=12 m=55
